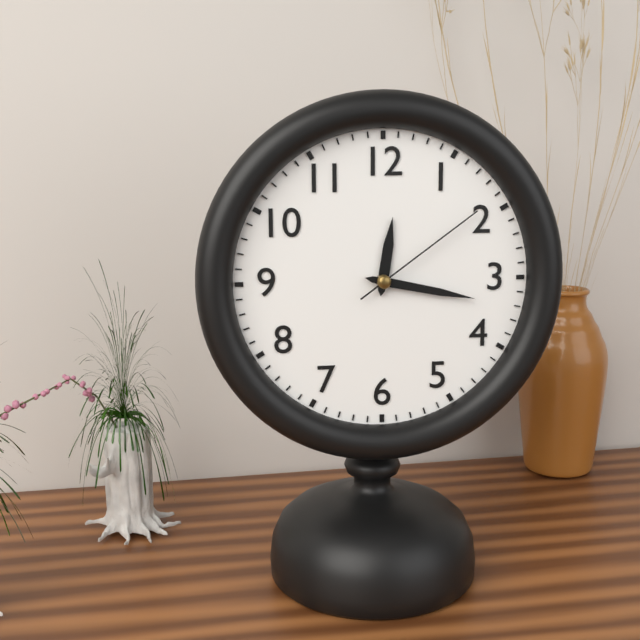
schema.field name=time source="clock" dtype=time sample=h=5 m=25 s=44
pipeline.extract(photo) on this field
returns h=12 m=17 s=9
